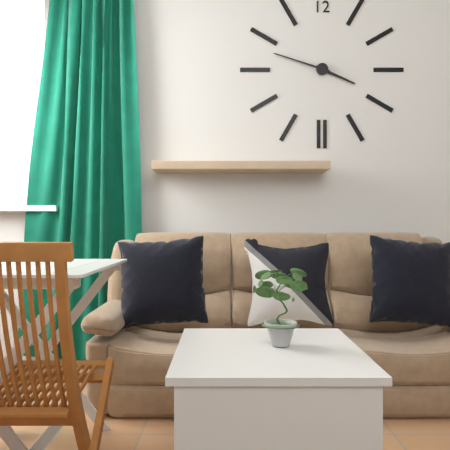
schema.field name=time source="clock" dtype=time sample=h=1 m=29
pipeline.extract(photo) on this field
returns h=3 m=48
